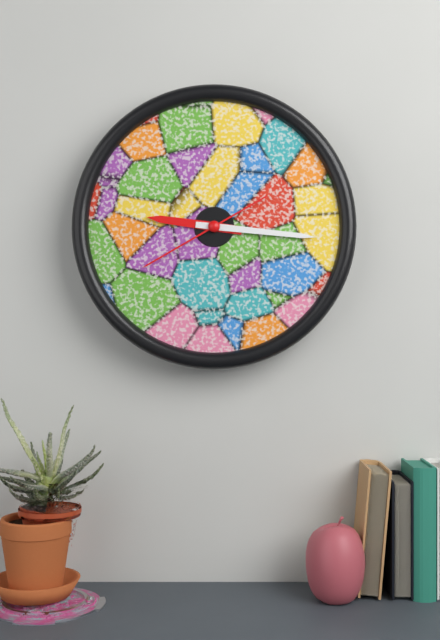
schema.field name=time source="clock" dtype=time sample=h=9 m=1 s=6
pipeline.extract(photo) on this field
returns h=9 m=16 s=40
